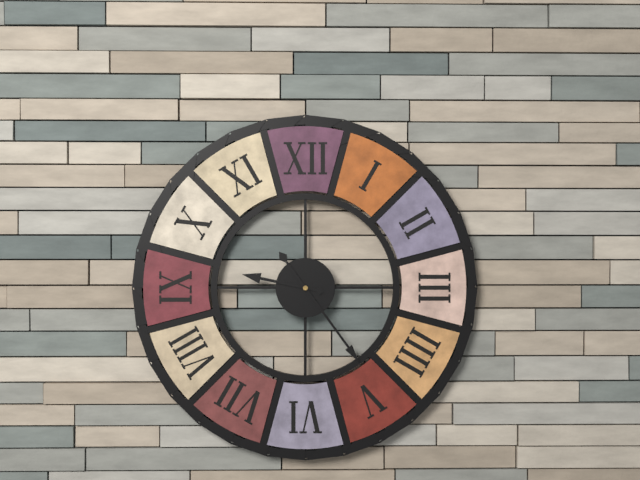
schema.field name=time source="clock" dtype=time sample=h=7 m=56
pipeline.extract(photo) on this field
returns h=9 m=24
